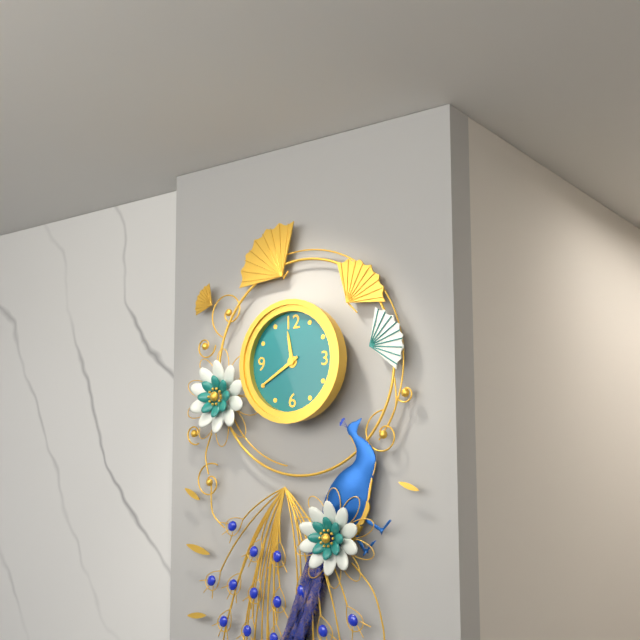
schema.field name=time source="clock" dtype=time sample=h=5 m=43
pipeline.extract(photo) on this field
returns h=11 m=40
